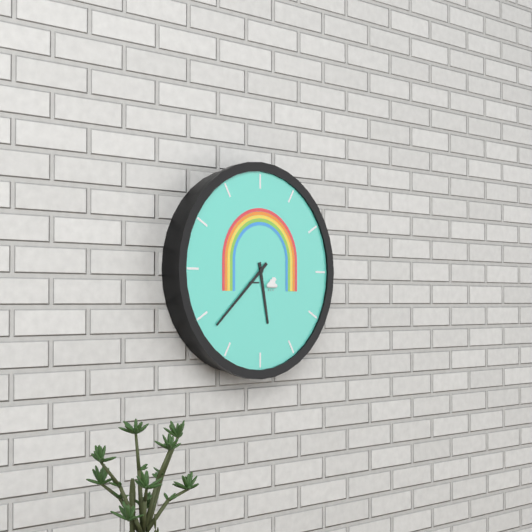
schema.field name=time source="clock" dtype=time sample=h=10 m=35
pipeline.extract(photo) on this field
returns h=5 m=38
